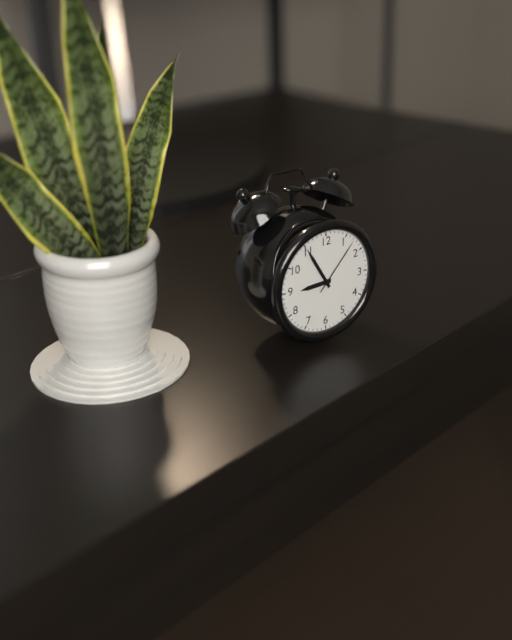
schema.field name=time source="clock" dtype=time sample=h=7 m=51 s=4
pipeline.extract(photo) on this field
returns h=8 m=55 s=7
